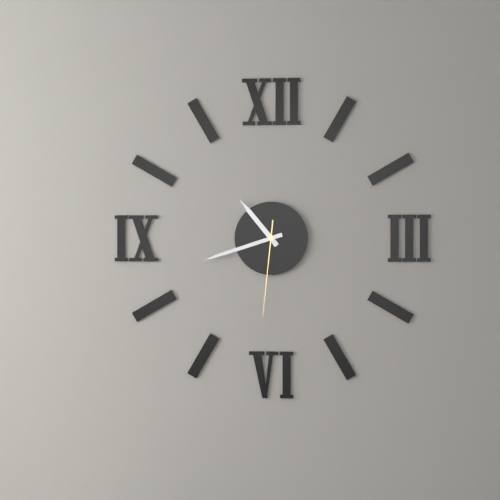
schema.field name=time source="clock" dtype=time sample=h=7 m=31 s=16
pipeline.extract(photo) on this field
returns h=10 m=42 s=31
